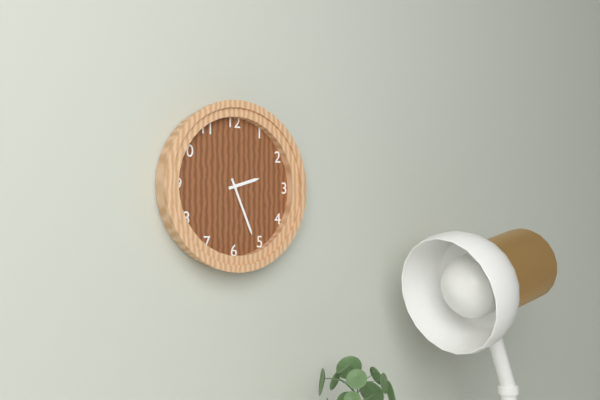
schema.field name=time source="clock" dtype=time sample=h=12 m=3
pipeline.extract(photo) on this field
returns h=2 m=26
